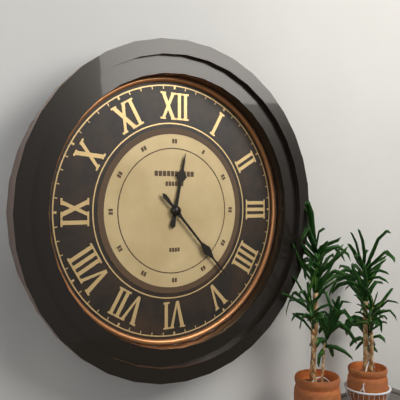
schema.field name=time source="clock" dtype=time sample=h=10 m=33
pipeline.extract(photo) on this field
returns h=12 m=23
